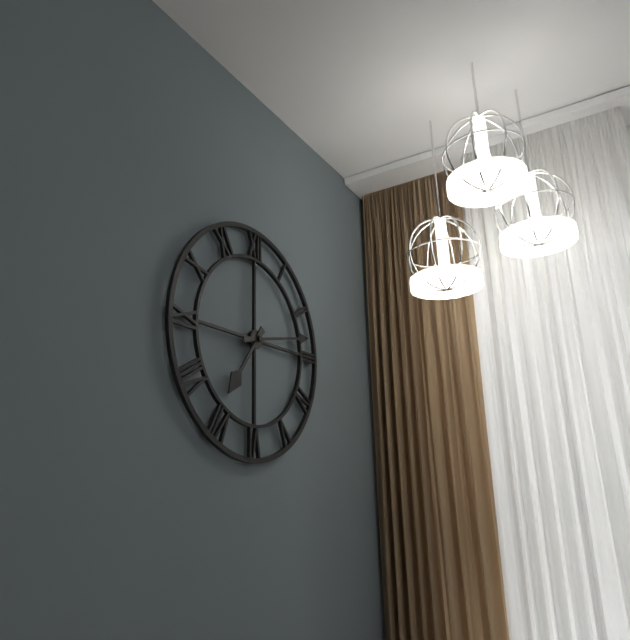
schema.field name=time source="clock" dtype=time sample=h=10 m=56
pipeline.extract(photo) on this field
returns h=7 m=13
